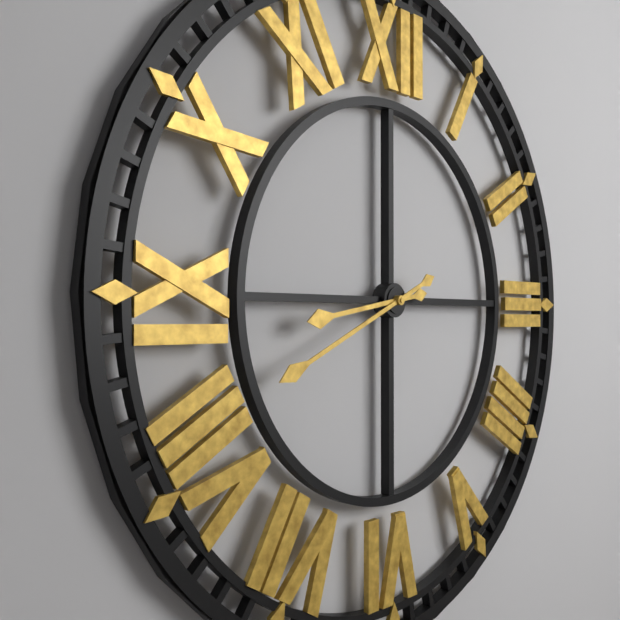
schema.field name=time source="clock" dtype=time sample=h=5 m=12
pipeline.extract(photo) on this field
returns h=8 m=41
